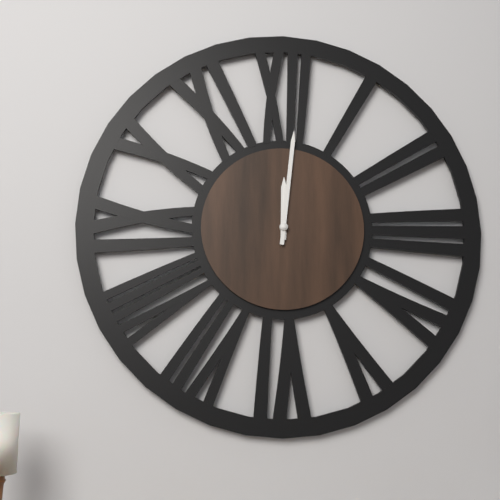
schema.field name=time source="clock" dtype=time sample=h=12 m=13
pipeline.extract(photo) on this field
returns h=12 m=1
